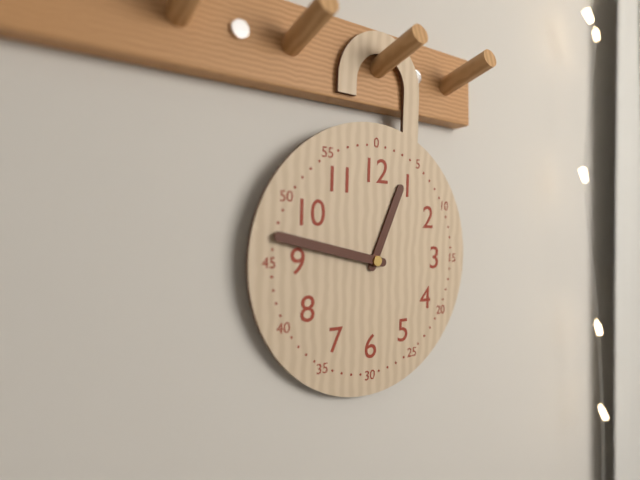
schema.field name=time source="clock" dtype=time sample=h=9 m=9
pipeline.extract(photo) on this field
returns h=12 m=47
